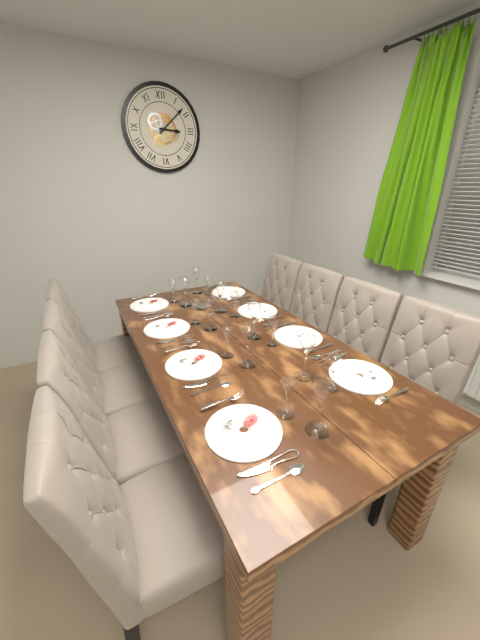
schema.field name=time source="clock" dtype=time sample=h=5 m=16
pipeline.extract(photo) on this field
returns h=3 m=8
